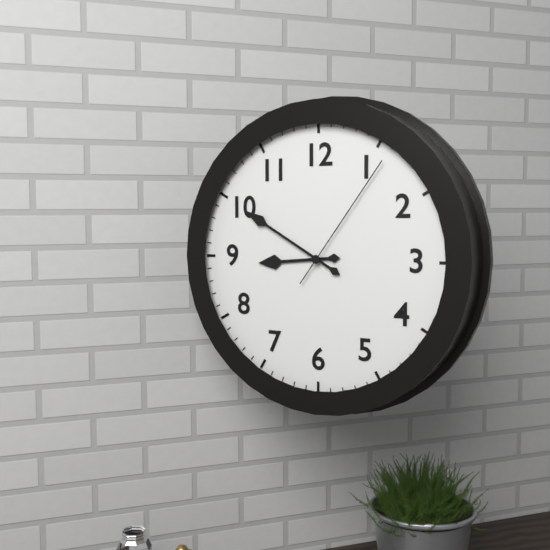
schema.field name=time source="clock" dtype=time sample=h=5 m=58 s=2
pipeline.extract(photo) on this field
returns h=8 m=50 s=6
